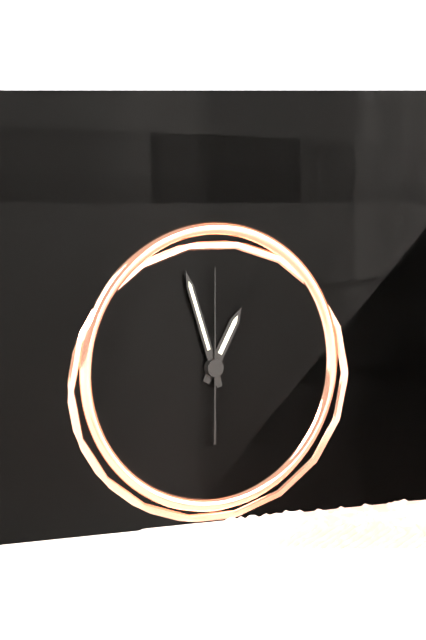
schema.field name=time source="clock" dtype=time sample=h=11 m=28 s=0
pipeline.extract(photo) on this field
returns h=12 m=57 s=0
